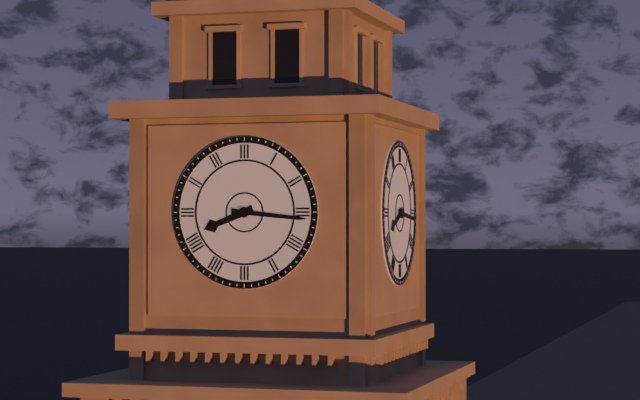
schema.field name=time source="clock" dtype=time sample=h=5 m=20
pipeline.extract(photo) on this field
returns h=8 m=16
